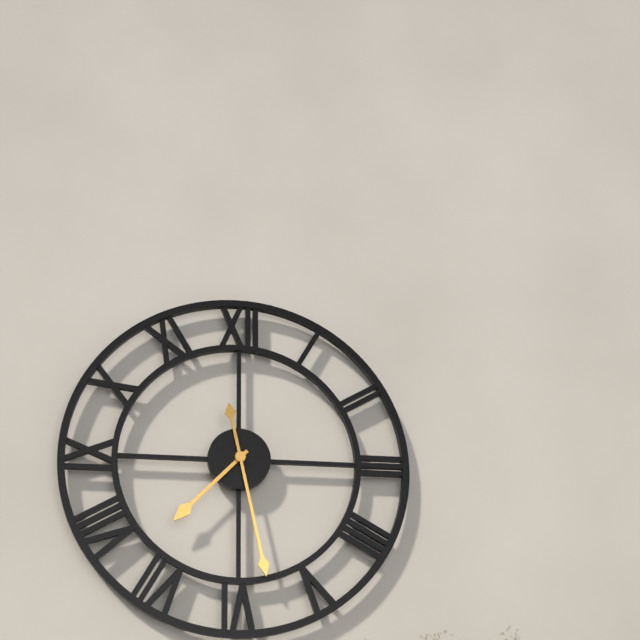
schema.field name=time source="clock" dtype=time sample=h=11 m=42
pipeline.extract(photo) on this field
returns h=7 m=28
